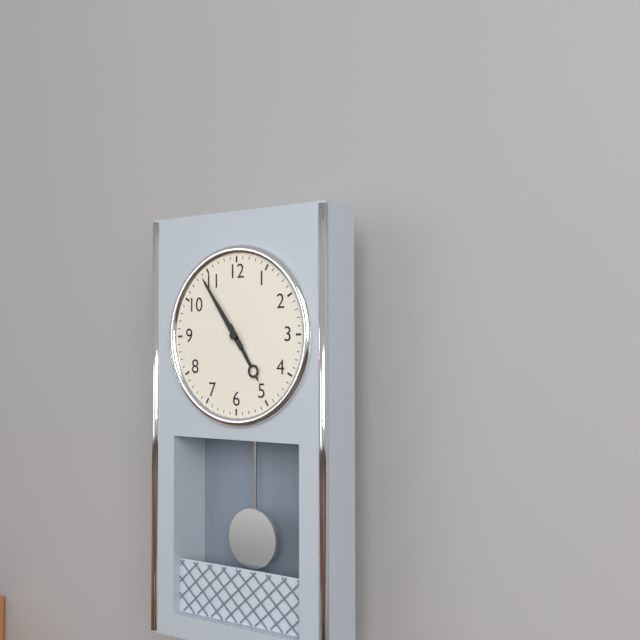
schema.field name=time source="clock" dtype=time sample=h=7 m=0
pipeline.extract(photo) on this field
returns h=4 m=54
